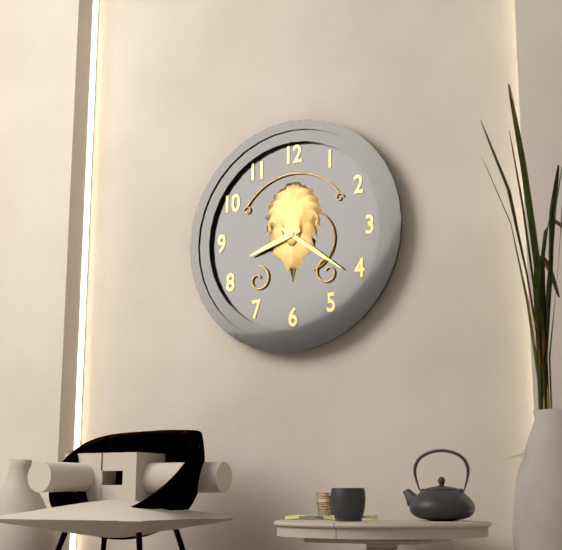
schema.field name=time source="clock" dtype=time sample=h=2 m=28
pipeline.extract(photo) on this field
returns h=8 m=21
